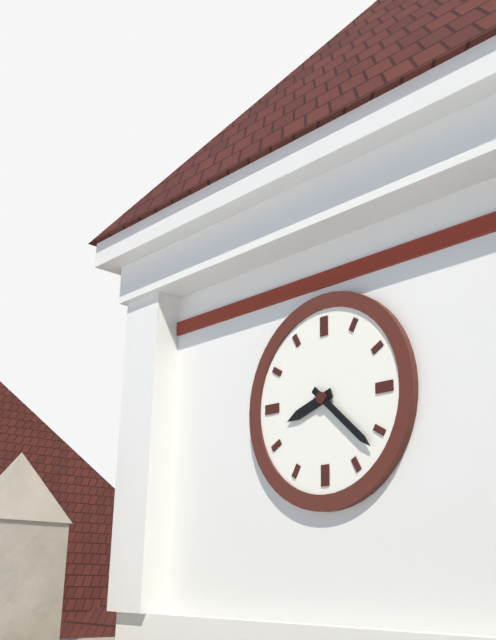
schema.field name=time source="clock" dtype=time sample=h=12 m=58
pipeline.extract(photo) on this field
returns h=8 m=22
